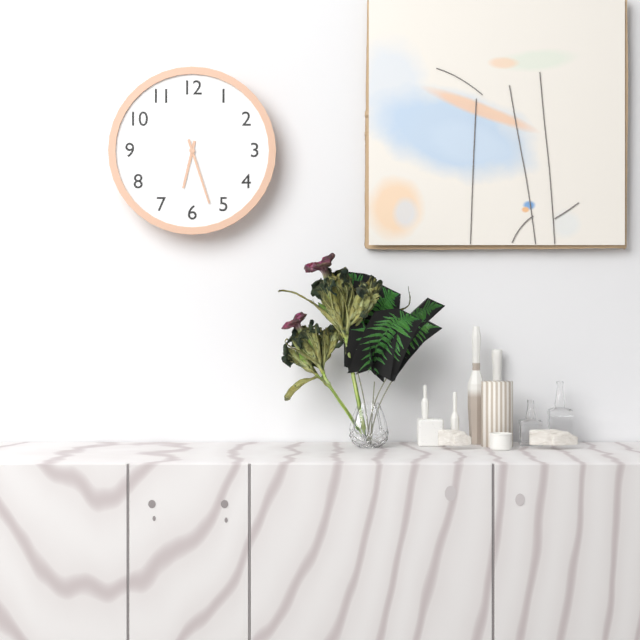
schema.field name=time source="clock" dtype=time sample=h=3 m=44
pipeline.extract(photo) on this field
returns h=6 m=27
